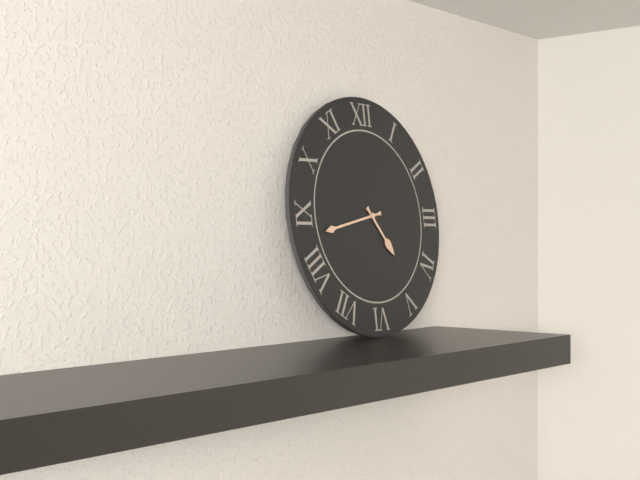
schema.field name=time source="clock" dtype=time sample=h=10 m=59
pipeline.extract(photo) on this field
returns h=4 m=43
